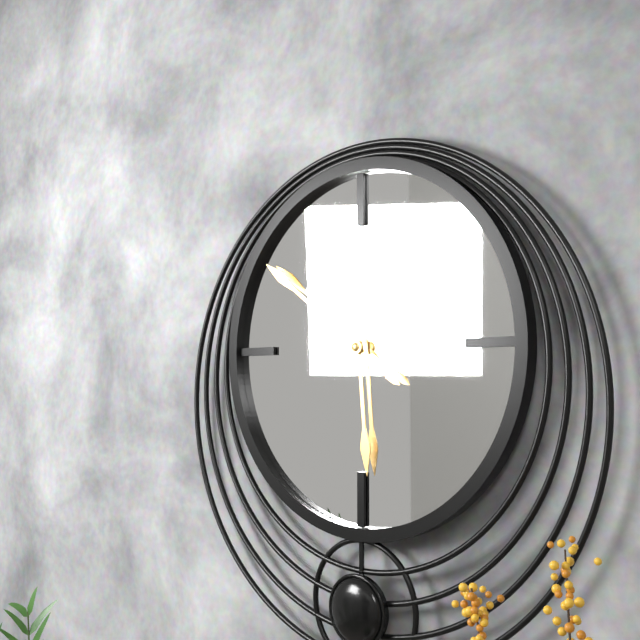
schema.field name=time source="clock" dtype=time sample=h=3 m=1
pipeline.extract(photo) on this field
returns h=5 m=51
